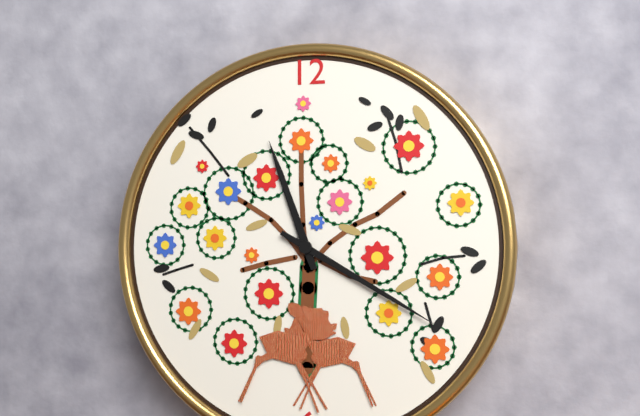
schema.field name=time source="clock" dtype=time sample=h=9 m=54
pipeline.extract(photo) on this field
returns h=11 m=20
